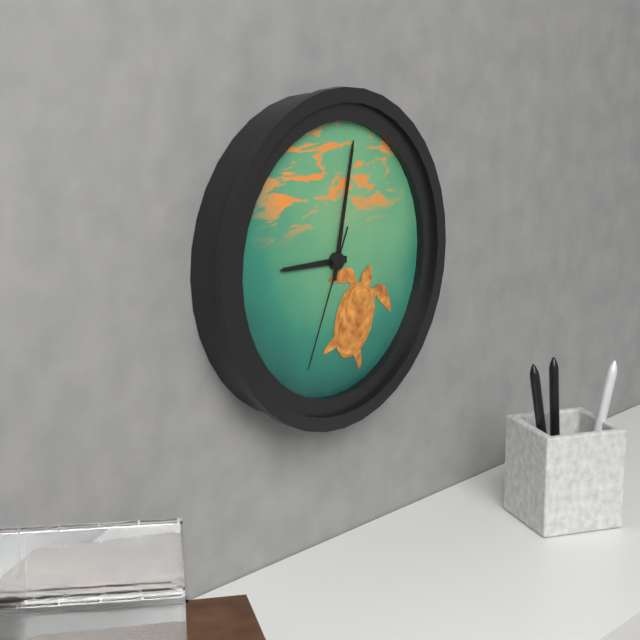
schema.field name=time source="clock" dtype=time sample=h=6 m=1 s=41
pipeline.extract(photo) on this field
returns h=9 m=2 s=34
